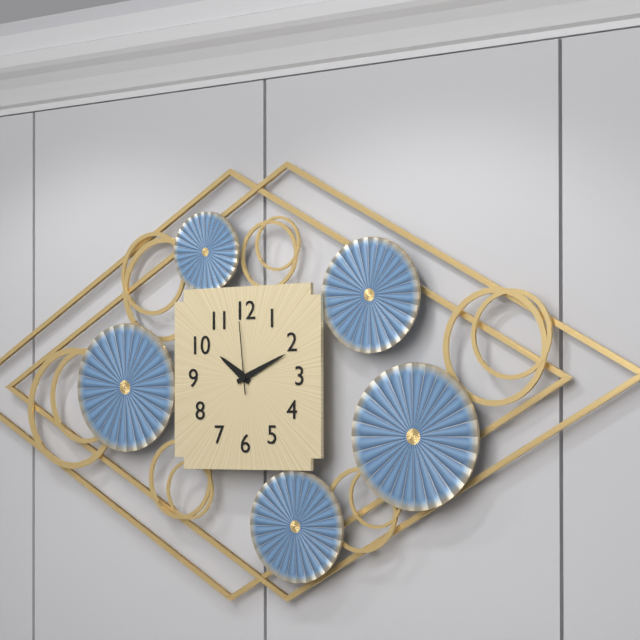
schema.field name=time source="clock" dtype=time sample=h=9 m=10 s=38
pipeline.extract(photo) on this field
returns h=10 m=11 s=59
